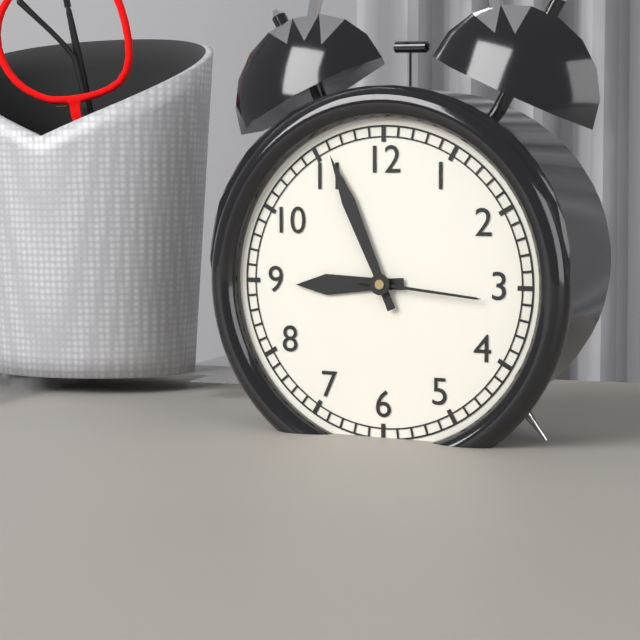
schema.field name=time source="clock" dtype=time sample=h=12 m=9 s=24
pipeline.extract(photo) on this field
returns h=8 m=56 s=16
